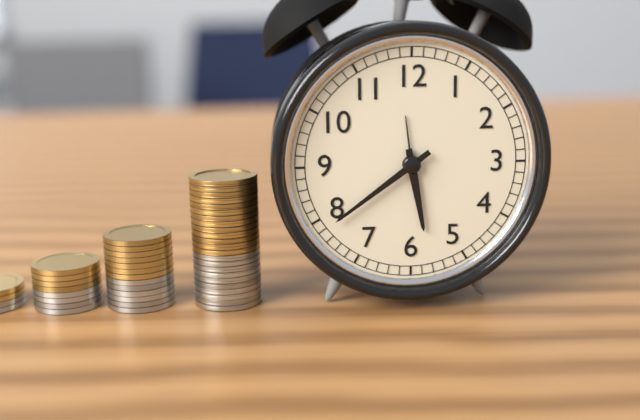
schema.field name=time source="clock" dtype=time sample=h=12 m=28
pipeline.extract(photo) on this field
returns h=5 m=39
